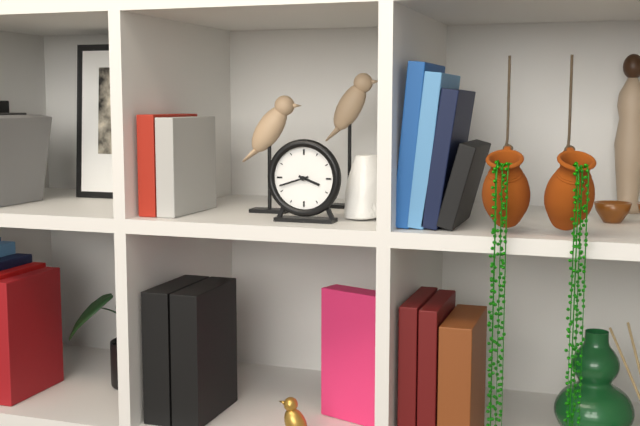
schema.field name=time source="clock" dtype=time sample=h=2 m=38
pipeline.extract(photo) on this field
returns h=3 m=42
